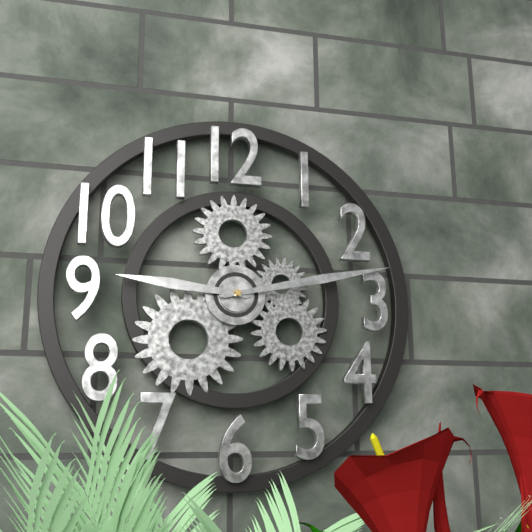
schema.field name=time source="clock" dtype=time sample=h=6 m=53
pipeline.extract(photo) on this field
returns h=9 m=13
